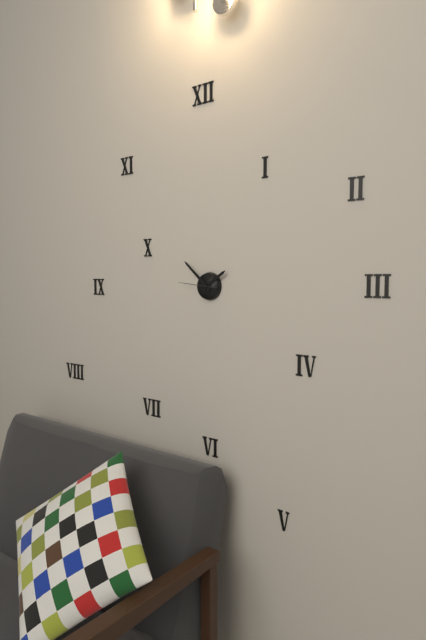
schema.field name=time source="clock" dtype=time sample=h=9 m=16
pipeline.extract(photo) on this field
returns h=1 m=52
